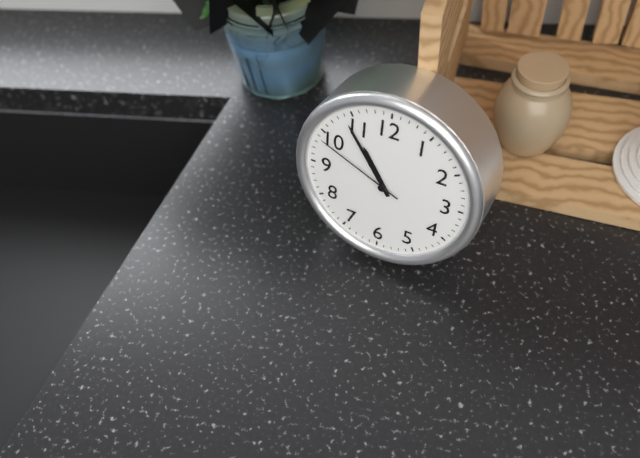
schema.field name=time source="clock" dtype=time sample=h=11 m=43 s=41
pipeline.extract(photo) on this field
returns h=10 m=54 s=49
